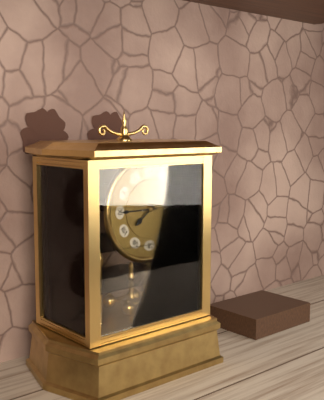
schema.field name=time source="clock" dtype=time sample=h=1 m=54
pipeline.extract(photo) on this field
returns h=7 m=45
